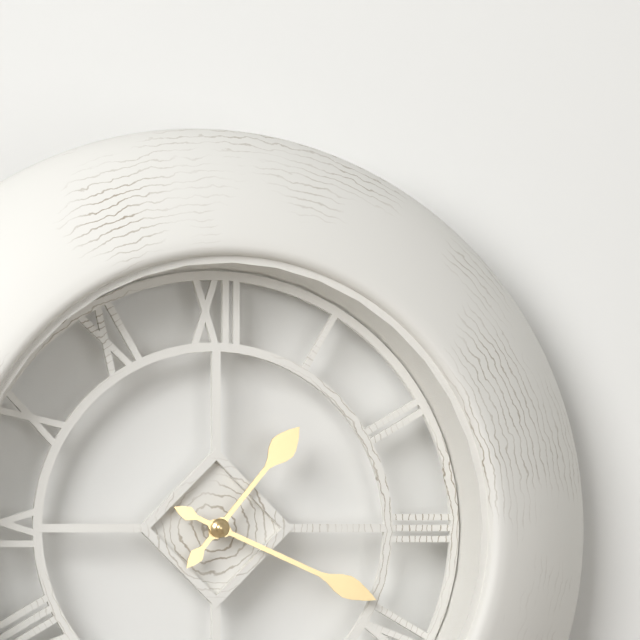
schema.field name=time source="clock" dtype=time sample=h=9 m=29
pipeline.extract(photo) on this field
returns h=1 m=19
